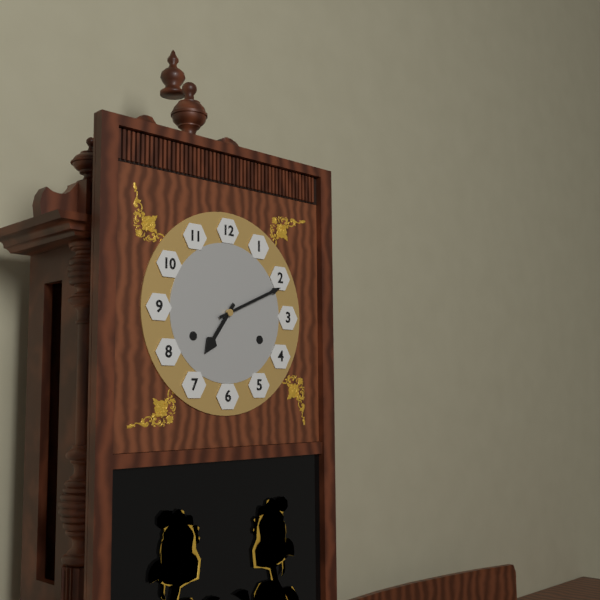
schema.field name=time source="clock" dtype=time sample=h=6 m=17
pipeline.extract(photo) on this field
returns h=7 m=11
